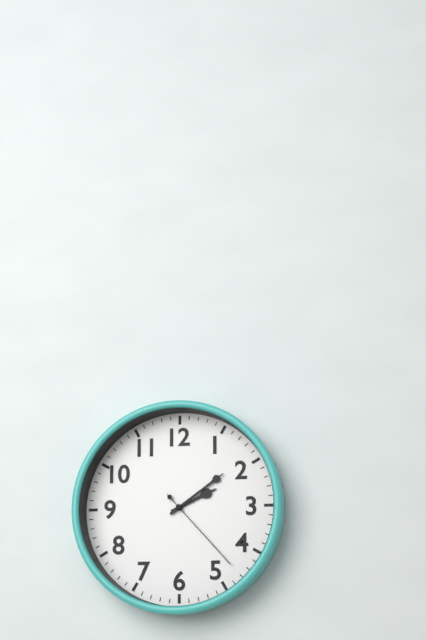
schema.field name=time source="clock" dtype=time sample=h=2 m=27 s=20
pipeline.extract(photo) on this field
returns h=2 m=9 s=23
